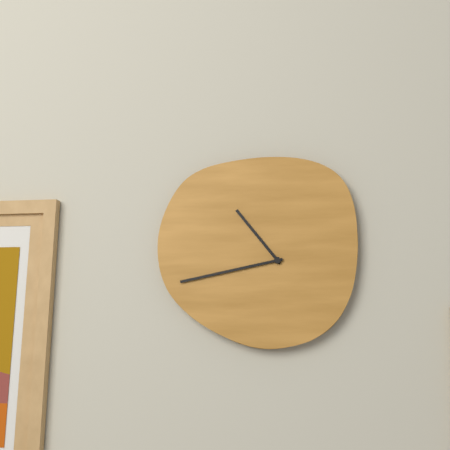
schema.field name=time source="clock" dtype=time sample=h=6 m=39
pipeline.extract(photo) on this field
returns h=10 m=43
